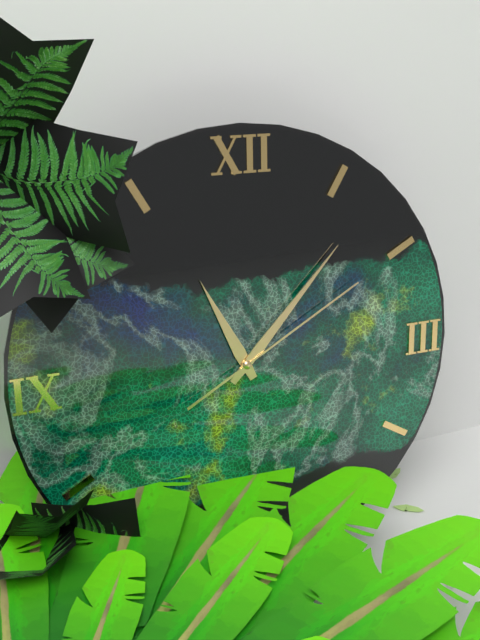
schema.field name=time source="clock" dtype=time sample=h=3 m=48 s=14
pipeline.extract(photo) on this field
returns h=11 m=7 s=10
